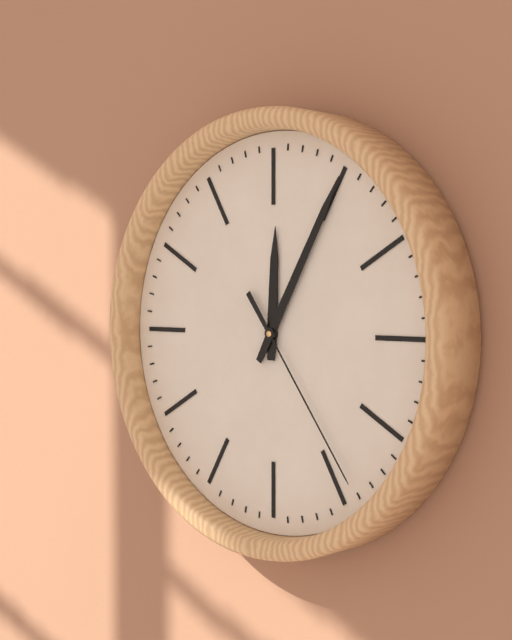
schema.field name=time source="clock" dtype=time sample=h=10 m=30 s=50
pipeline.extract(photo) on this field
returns h=12 m=5 s=24
